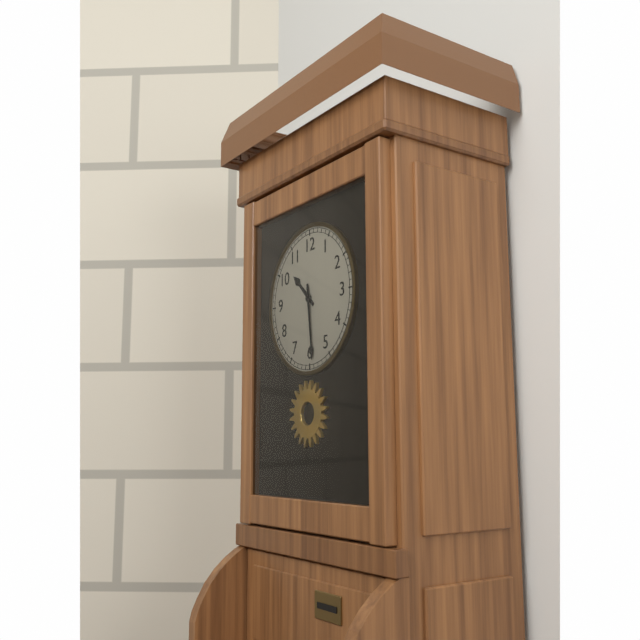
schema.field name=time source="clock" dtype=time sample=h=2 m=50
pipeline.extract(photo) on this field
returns h=10 m=29
